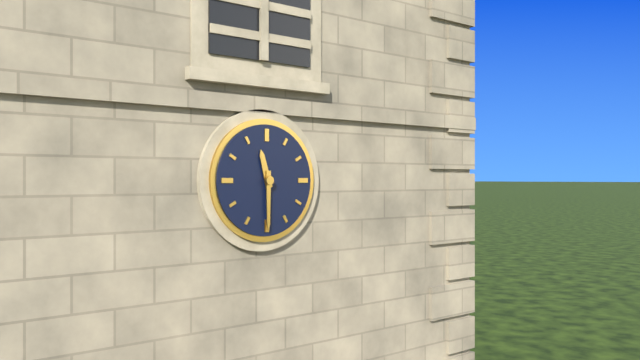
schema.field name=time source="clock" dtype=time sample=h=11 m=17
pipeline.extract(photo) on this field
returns h=11 m=30
